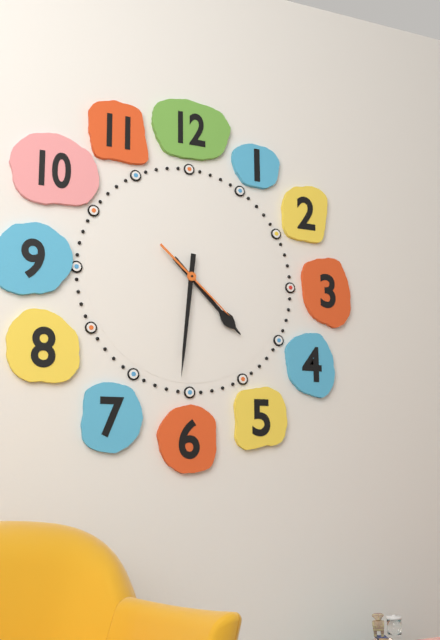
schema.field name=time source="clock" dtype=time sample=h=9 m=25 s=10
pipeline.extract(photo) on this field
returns h=4 m=31 s=22
